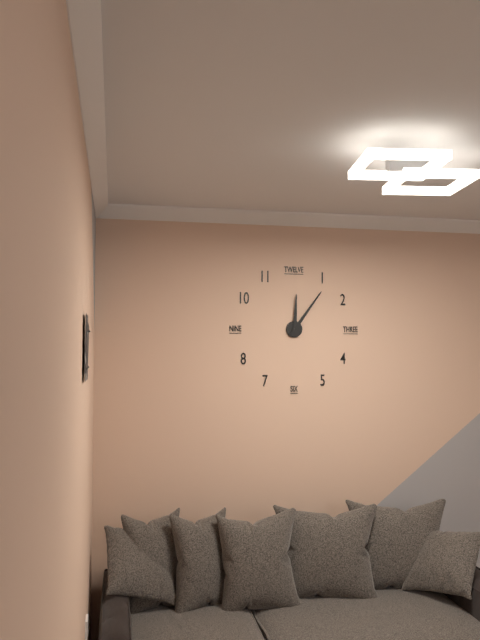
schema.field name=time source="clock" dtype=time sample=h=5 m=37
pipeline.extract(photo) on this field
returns h=12 m=6
